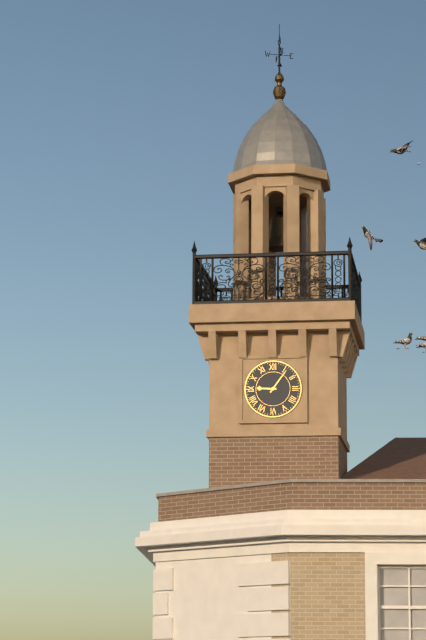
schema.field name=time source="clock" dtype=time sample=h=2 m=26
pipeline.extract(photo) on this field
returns h=9 m=6
